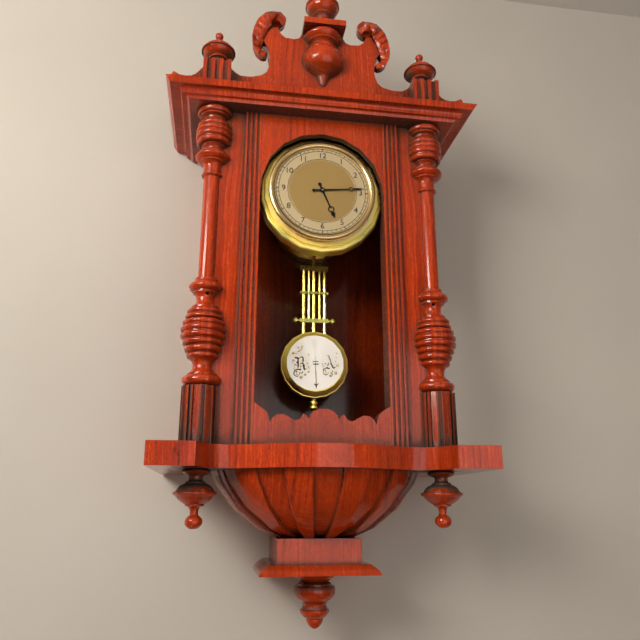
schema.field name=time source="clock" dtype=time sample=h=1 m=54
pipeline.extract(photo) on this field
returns h=5 m=14
